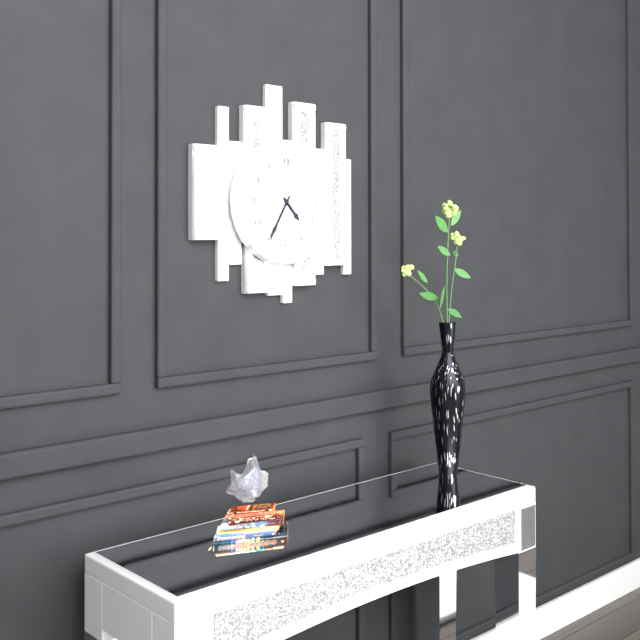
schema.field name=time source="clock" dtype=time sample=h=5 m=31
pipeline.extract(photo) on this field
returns h=4 m=35
